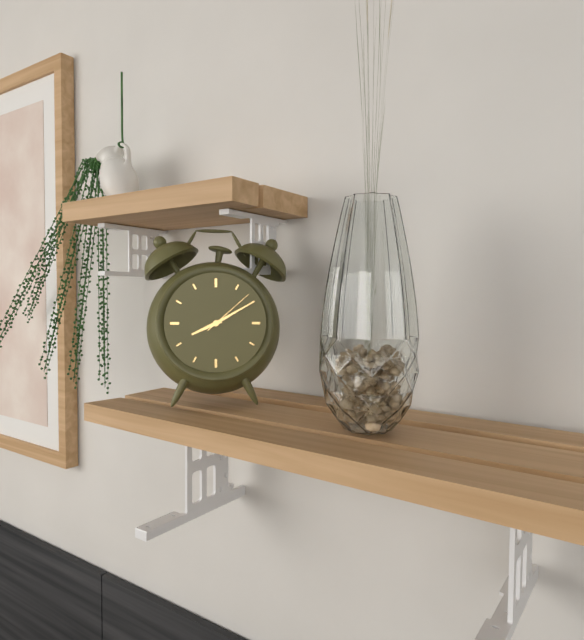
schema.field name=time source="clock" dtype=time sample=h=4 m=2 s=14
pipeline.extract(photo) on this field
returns h=8 m=10 s=8
